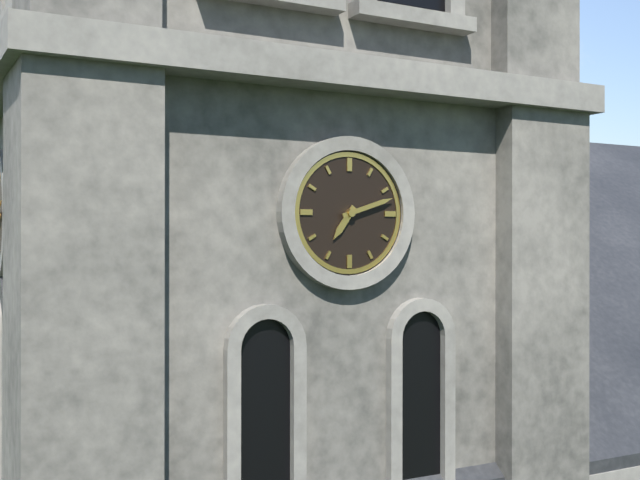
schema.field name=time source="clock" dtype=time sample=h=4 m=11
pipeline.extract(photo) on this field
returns h=7 m=12
